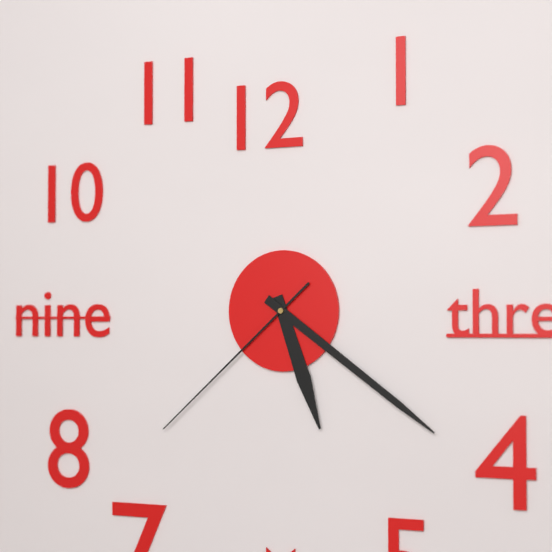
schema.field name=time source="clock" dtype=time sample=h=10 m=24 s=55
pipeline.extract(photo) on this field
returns h=5 m=21 s=38
